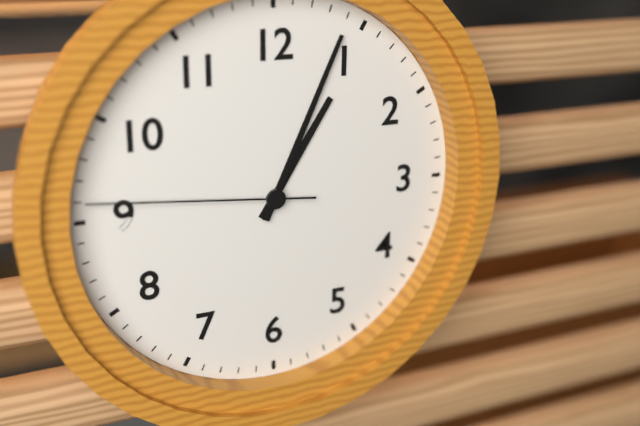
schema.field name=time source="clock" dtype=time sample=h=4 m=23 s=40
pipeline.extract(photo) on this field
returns h=1 m=4 s=46
